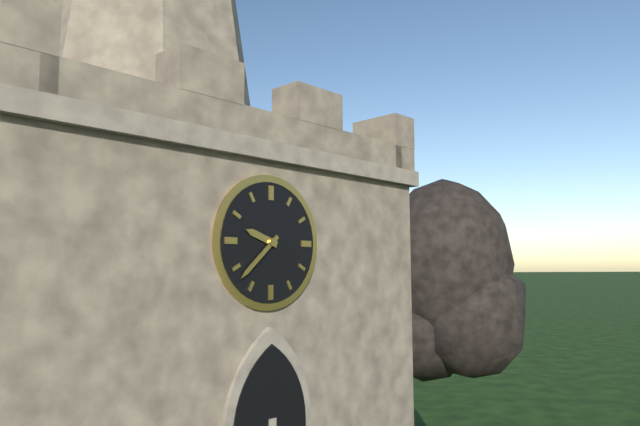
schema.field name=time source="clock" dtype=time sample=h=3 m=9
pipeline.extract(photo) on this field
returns h=9 m=38
